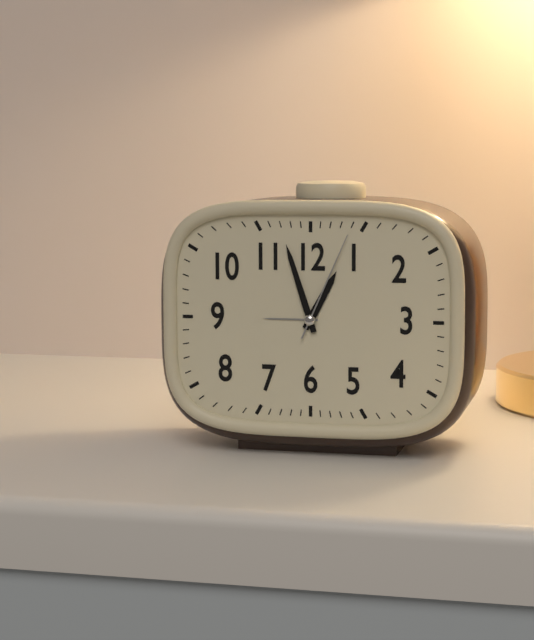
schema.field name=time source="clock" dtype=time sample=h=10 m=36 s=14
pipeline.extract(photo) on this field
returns h=12 m=57 s=4
